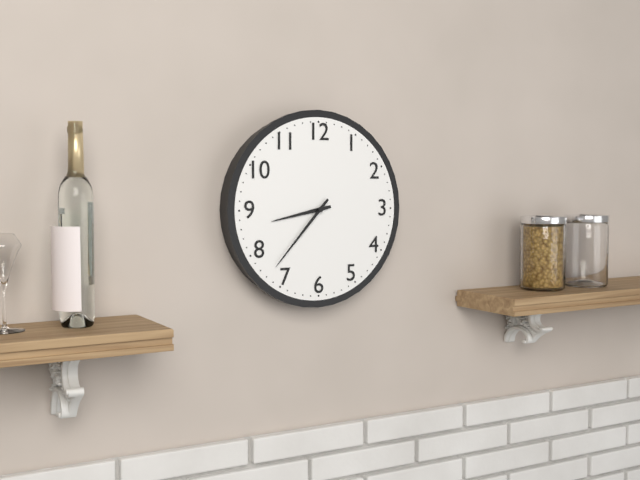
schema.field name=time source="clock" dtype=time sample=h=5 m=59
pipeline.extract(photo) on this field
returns h=8 m=37
